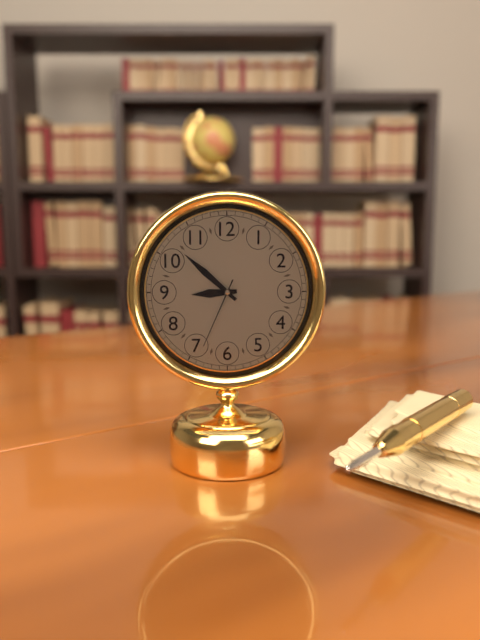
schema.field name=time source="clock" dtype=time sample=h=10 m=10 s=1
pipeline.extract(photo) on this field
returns h=8 m=52 s=34
